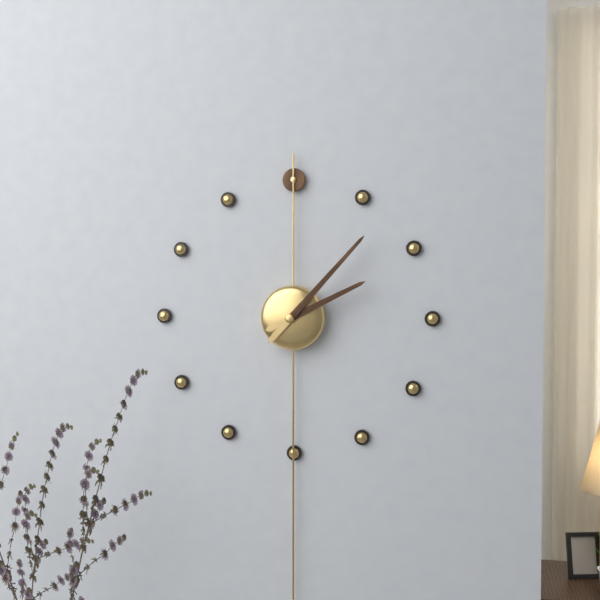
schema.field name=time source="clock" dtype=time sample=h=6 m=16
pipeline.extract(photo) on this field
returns h=2 m=7
